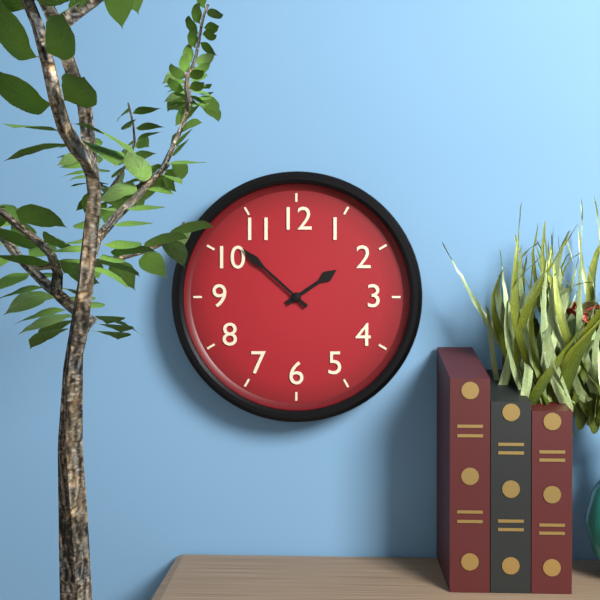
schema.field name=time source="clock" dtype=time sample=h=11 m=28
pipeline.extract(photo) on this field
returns h=1 m=52
